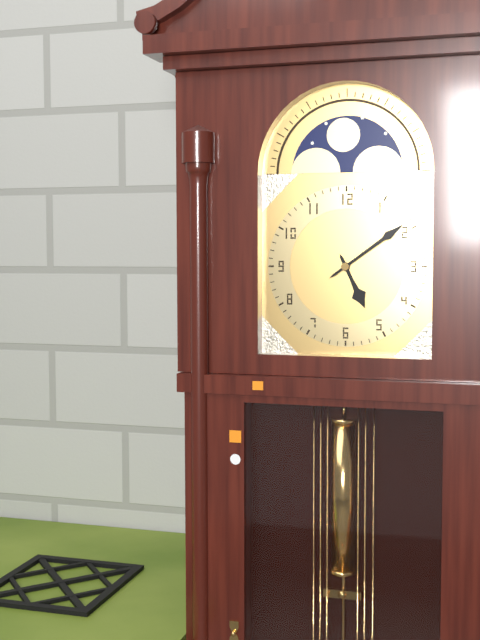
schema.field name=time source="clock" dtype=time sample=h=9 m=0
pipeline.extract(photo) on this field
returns h=5 m=9
